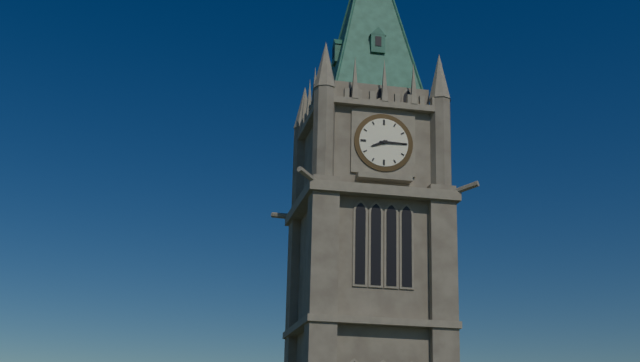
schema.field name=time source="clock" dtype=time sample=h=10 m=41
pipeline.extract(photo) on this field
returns h=8 m=15
